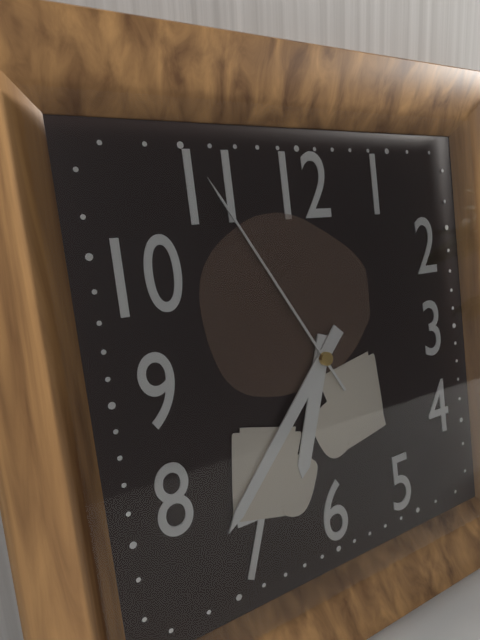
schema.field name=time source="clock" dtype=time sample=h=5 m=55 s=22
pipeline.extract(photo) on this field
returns h=6 m=37 s=55
